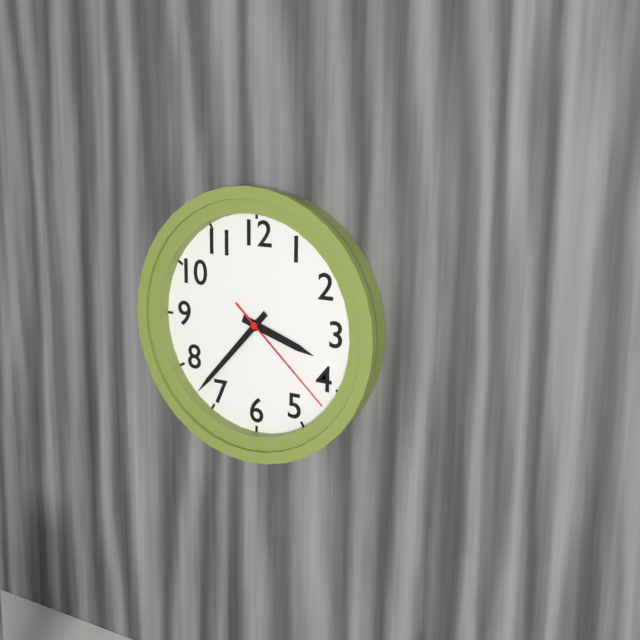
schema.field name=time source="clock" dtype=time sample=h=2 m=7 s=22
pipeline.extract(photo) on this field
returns h=3 m=37 s=22
